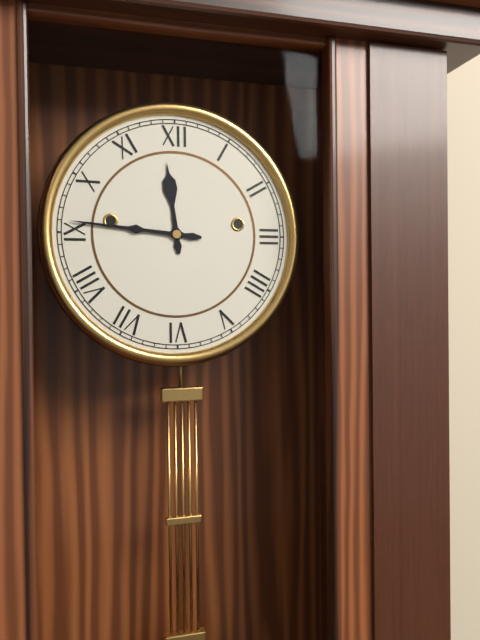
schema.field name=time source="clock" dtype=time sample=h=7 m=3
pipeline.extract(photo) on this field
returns h=11 m=46
